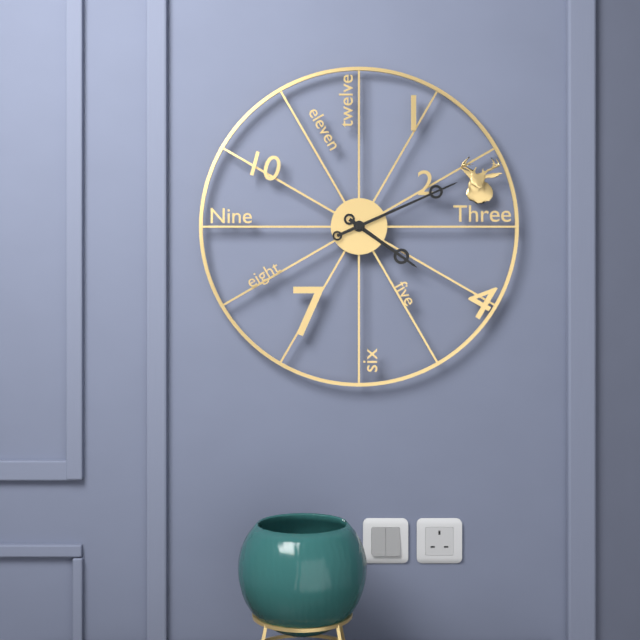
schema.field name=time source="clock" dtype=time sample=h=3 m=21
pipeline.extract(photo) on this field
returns h=4 m=11
